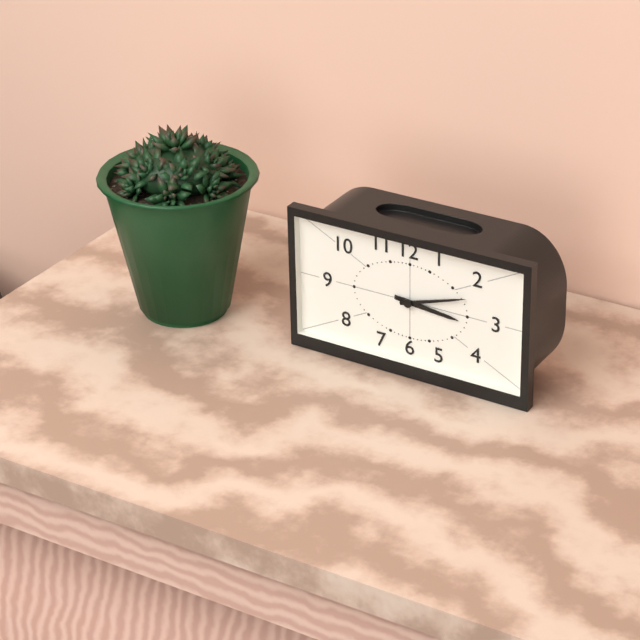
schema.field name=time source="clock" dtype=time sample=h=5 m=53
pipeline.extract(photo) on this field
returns h=3 m=12
